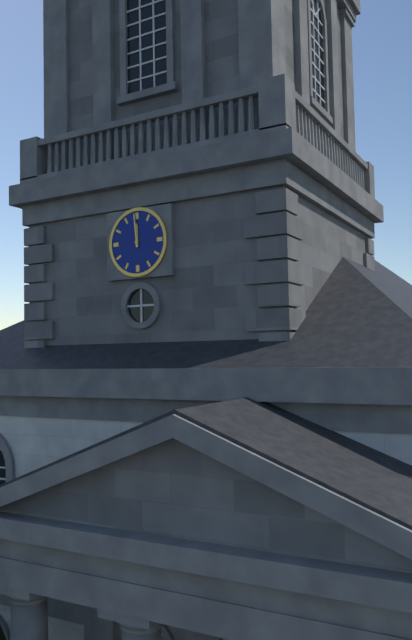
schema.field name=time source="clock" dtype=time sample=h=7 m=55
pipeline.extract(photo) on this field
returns h=11 m=59
